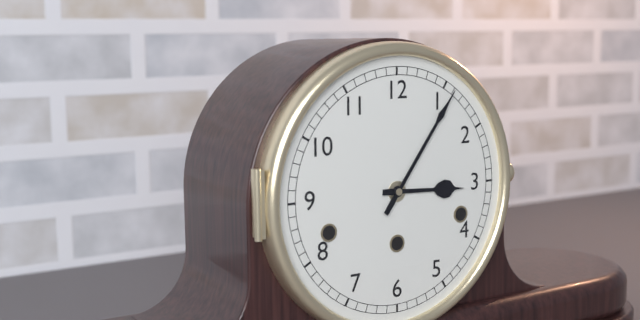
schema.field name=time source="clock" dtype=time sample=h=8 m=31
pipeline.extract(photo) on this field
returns h=3 m=6
